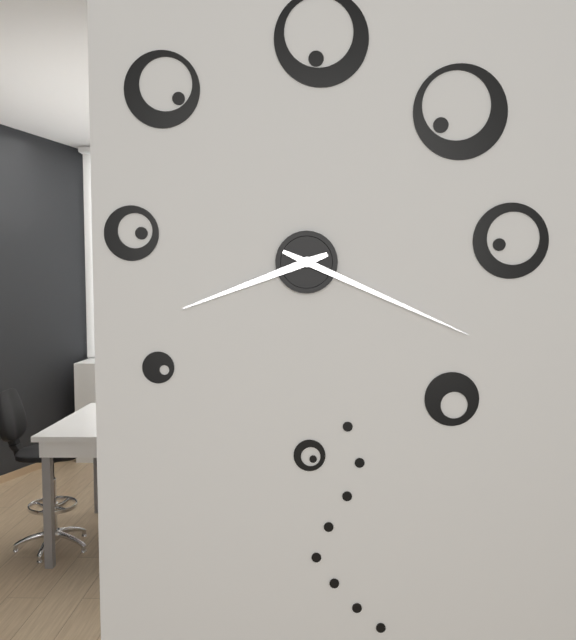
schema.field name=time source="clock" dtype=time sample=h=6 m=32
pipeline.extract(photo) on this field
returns h=8 m=19
